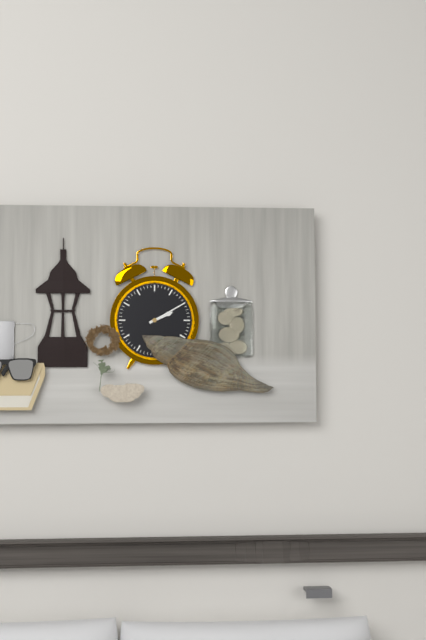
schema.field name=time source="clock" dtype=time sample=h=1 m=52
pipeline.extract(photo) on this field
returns h=2 m=10
